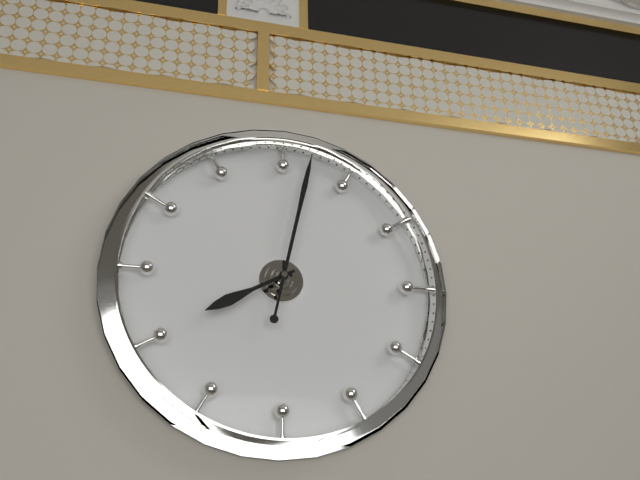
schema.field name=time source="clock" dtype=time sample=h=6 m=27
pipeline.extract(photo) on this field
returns h=8 m=2
